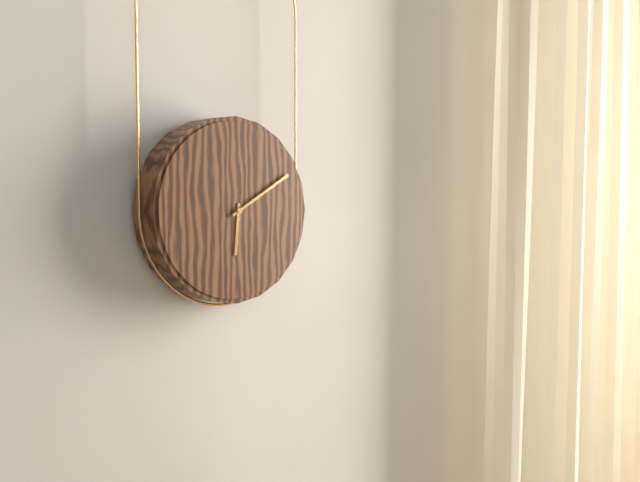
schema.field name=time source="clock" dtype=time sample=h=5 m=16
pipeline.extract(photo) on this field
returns h=6 m=10
